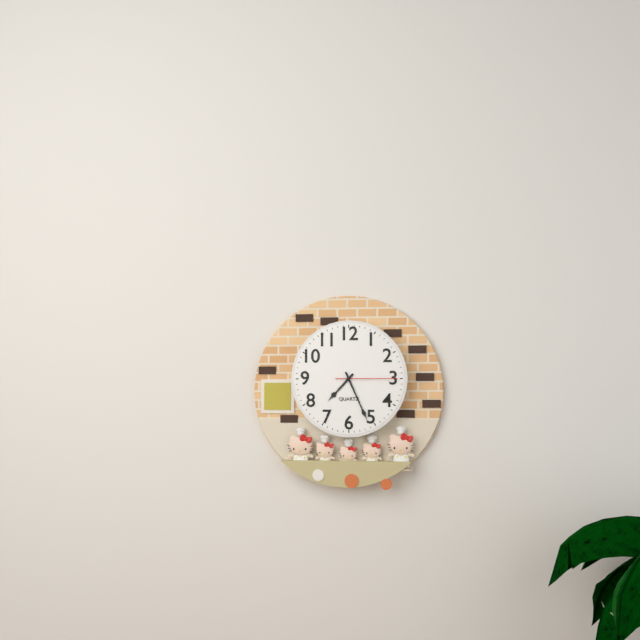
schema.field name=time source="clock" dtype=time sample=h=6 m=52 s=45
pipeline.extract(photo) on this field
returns h=7 m=26 s=15
